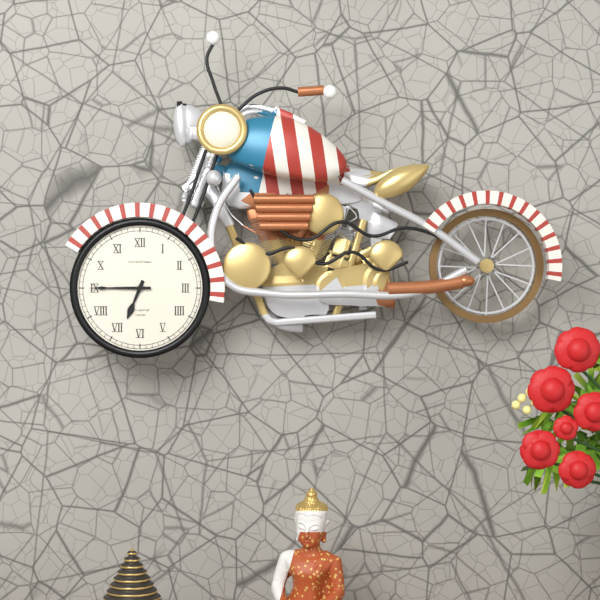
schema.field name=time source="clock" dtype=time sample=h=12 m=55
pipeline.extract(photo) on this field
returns h=6 m=45
